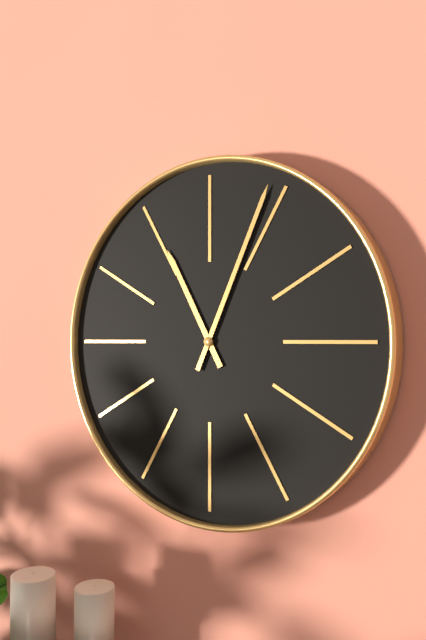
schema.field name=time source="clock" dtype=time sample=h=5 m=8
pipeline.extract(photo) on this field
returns h=11 m=4
